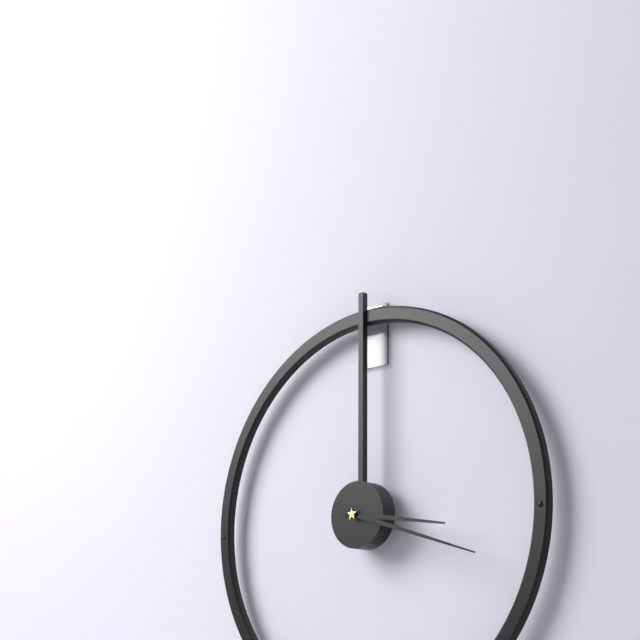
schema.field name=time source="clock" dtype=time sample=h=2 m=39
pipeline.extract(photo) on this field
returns h=3 m=18
